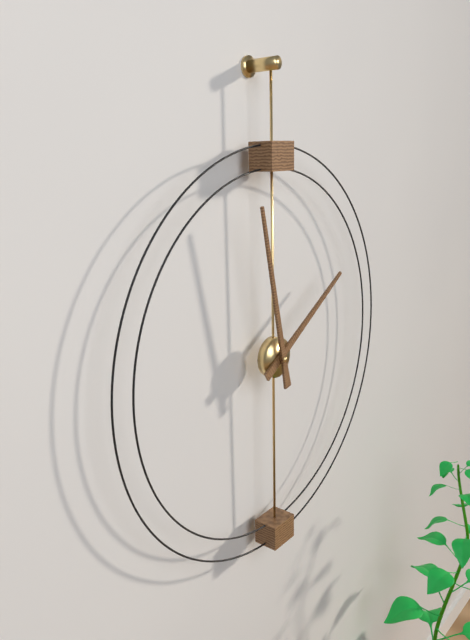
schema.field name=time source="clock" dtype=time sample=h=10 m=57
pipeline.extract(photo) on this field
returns h=1 m=58
